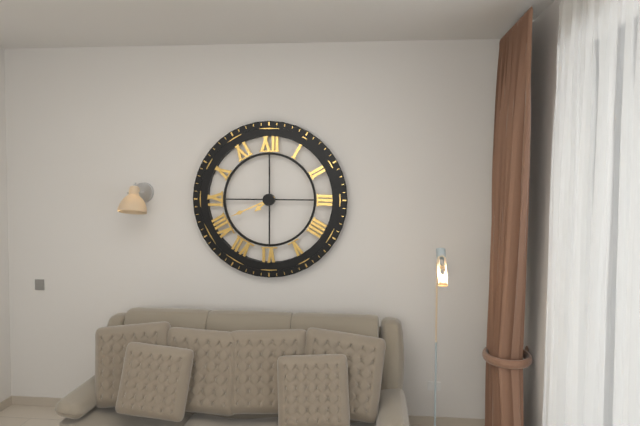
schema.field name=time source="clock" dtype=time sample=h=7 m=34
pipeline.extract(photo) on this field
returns h=7 m=41
